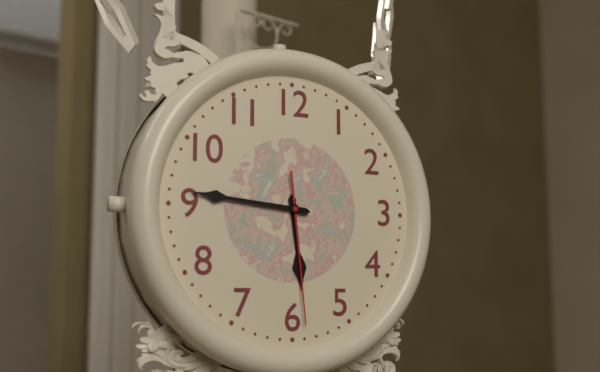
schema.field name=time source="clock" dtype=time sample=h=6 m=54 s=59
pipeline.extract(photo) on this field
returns h=5 m=46 s=29
